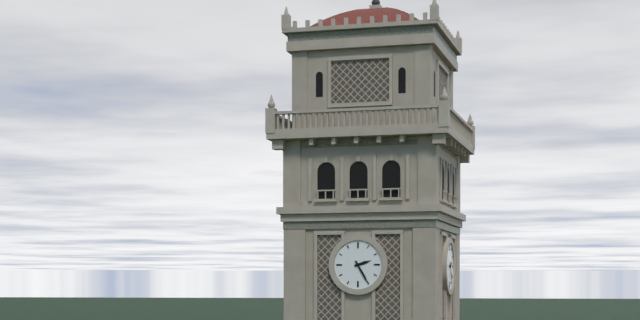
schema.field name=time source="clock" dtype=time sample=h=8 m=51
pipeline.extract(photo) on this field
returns h=2 m=25
